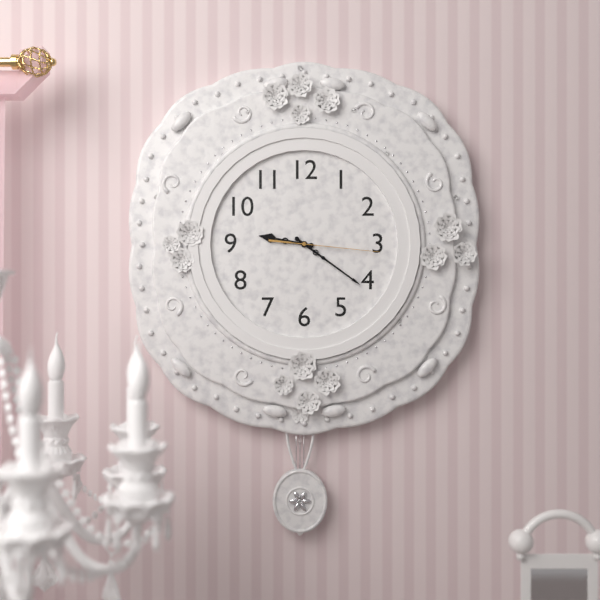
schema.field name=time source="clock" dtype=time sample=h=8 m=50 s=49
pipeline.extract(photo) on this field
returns h=9 m=21 s=16
